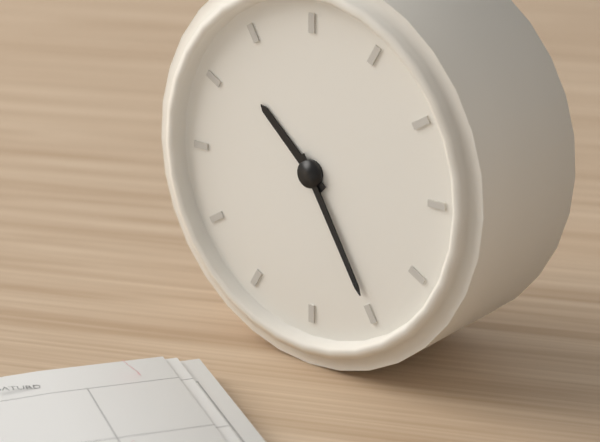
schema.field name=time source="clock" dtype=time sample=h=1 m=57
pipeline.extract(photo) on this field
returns h=10 m=25
